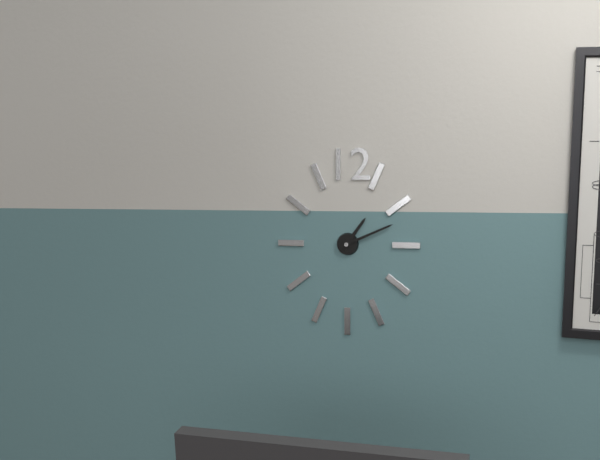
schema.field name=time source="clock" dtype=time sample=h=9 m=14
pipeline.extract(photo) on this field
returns h=1 m=11
